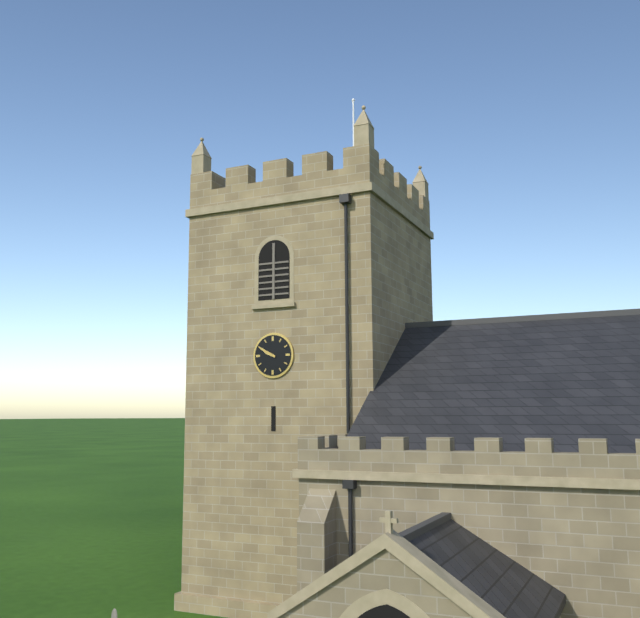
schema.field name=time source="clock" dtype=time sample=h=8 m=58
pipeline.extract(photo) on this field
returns h=9 m=50
